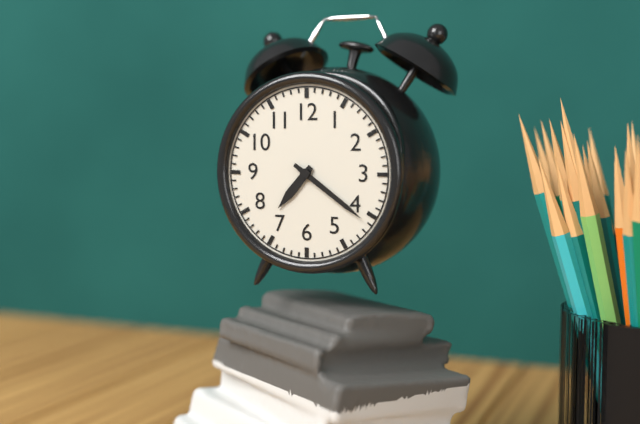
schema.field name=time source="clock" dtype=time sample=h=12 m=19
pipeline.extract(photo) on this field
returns h=7 m=21
